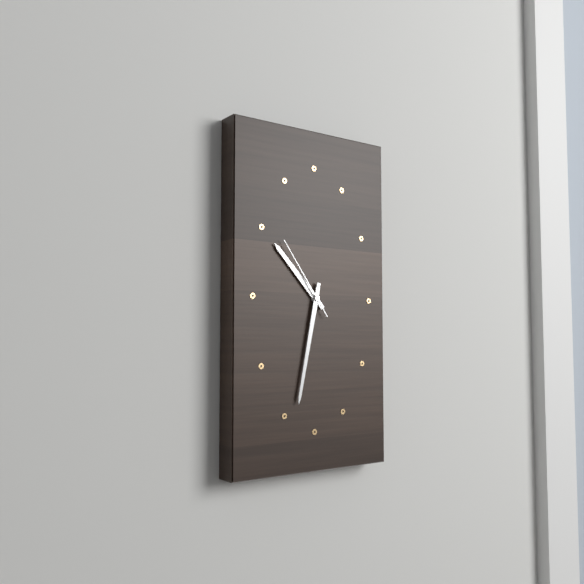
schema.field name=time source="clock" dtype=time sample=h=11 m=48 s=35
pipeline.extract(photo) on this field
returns h=10 m=32 s=54
